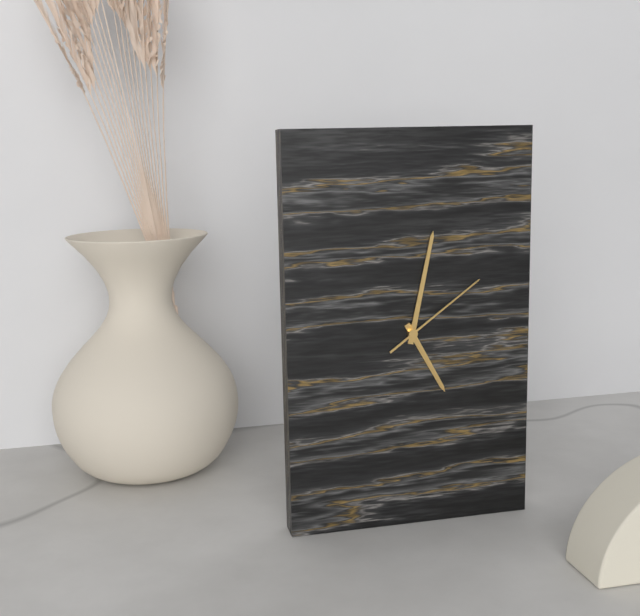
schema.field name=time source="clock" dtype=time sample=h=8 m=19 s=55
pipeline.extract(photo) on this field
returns h=5 m=2 s=9
